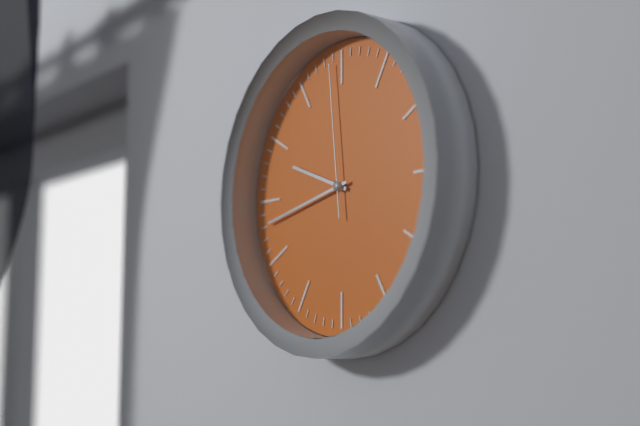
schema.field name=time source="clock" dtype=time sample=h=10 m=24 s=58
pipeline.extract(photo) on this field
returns h=9 m=43 s=59
